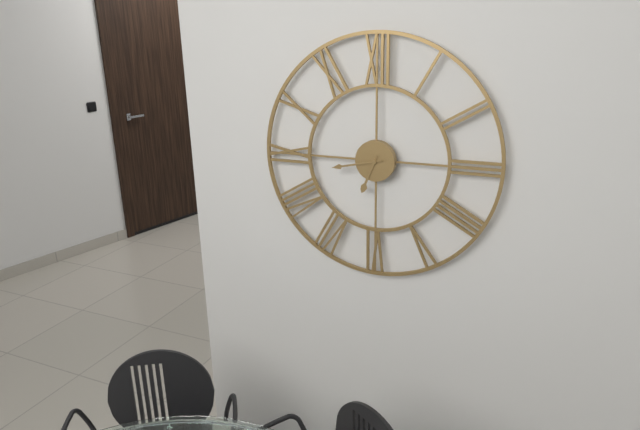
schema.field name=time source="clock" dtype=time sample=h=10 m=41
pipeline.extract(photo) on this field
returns h=6 m=43
